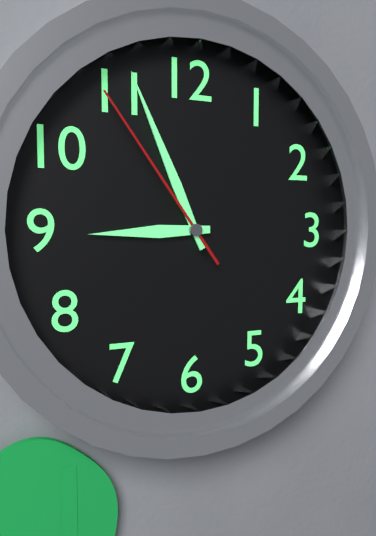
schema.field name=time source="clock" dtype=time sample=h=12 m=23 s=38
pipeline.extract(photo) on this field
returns h=8 m=56 s=54
